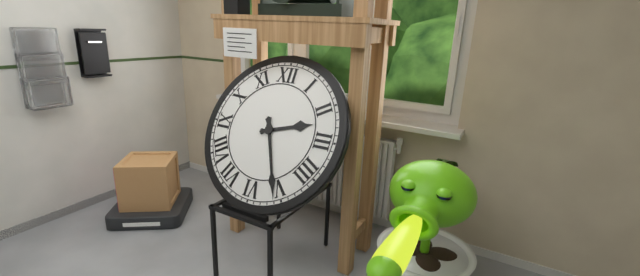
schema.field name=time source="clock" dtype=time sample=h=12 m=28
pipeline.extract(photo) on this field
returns h=2 m=26
